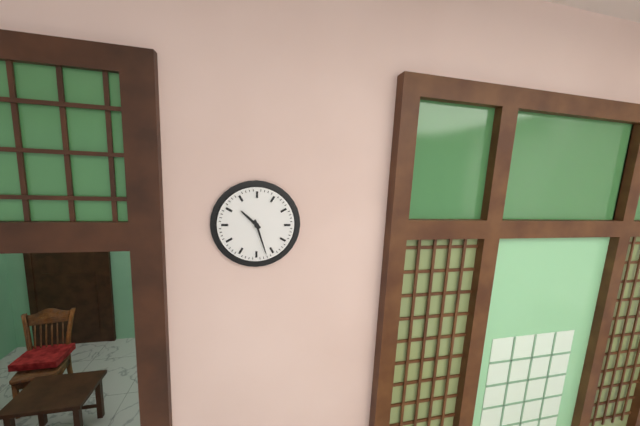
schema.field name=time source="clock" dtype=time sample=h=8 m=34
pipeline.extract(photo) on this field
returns h=10 m=27
